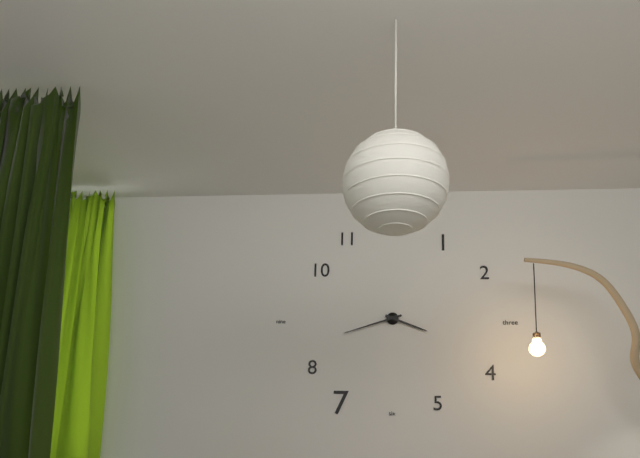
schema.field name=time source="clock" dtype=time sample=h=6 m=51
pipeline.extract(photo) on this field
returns h=3 m=42
